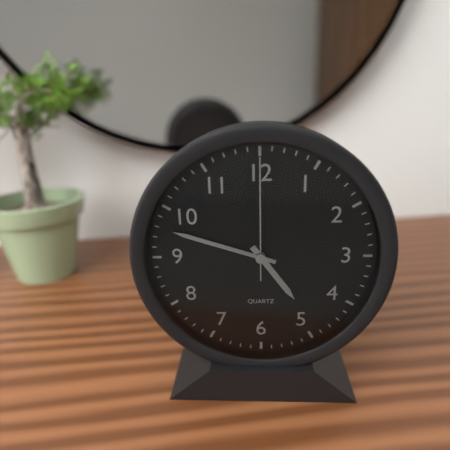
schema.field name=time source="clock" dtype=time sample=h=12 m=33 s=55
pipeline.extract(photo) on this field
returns h=4 m=48 s=0
